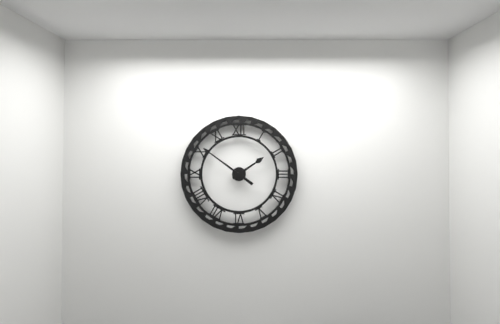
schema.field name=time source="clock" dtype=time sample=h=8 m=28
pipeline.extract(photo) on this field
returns h=1 m=51
